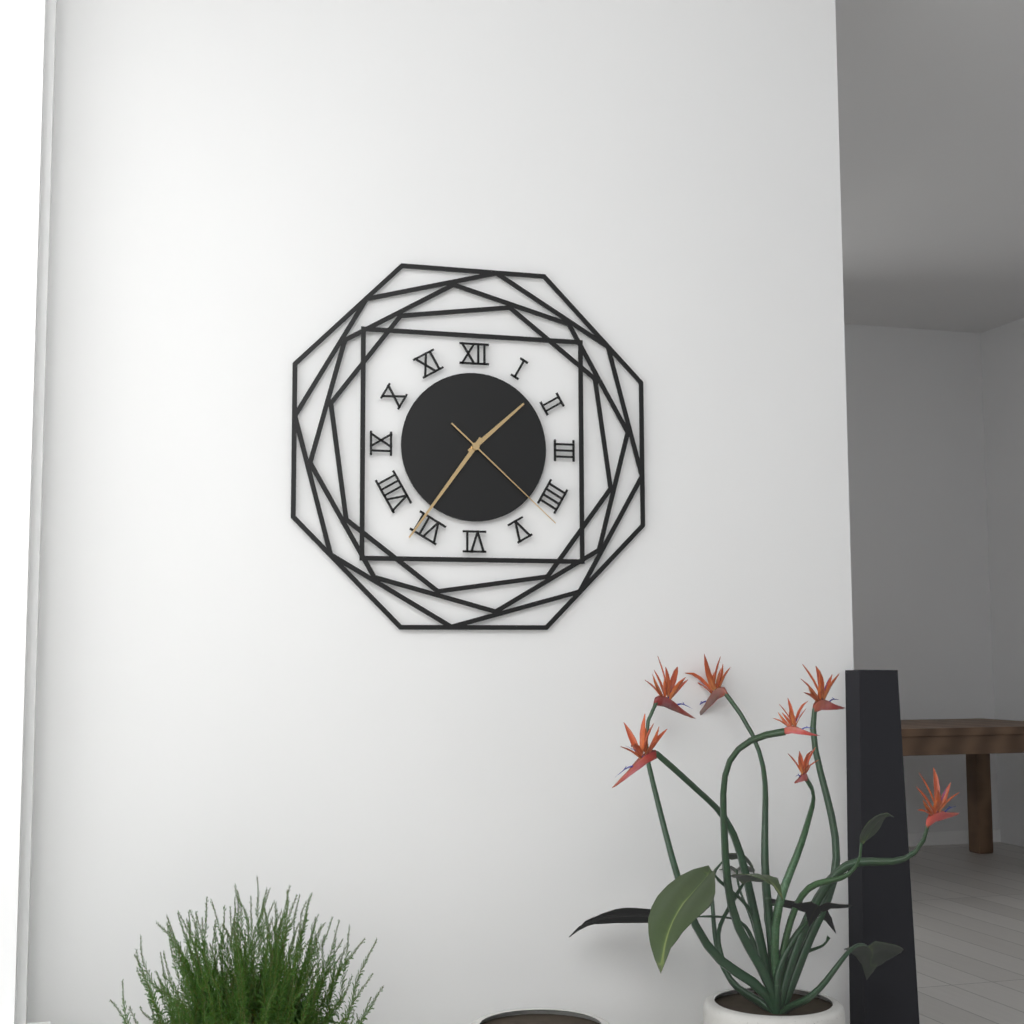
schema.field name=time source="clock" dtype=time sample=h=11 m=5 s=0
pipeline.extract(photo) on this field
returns h=1 m=36 s=22
